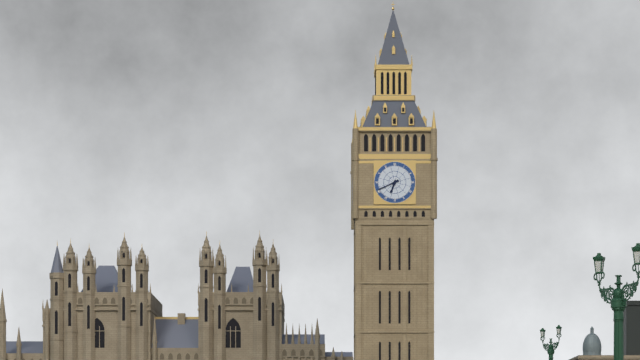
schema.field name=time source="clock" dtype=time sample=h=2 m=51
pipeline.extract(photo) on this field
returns h=6 m=41
